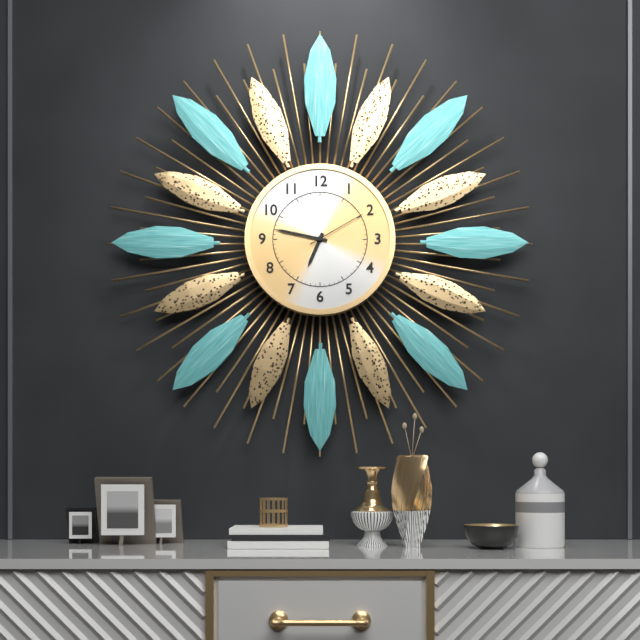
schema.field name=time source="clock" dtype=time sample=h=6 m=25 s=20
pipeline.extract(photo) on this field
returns h=6 m=47 s=10
